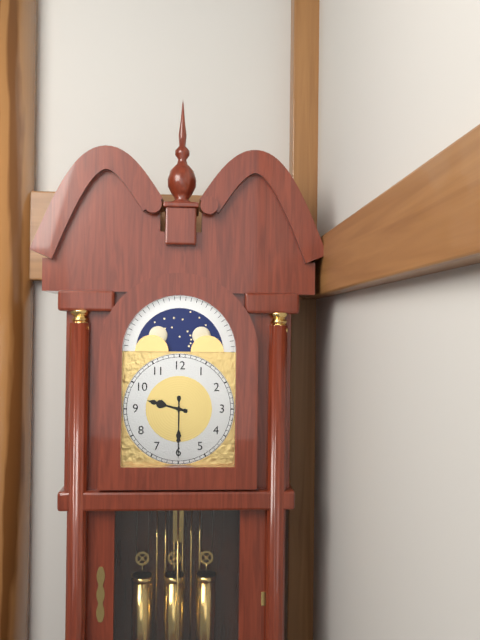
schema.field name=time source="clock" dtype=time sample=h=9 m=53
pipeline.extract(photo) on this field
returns h=9 m=30
